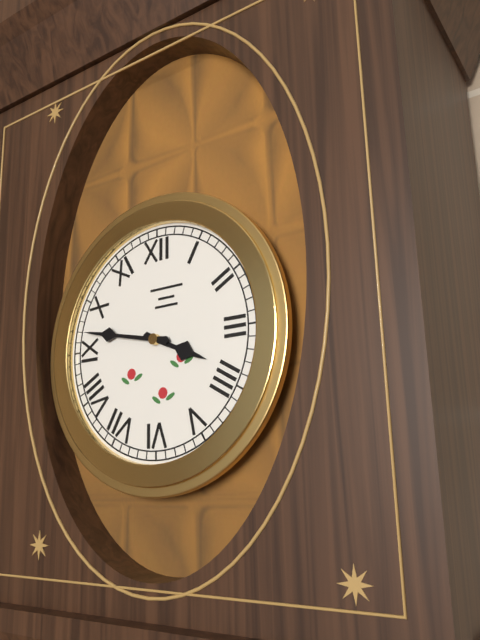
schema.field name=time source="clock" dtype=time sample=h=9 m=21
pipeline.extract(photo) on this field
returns h=3 m=47
